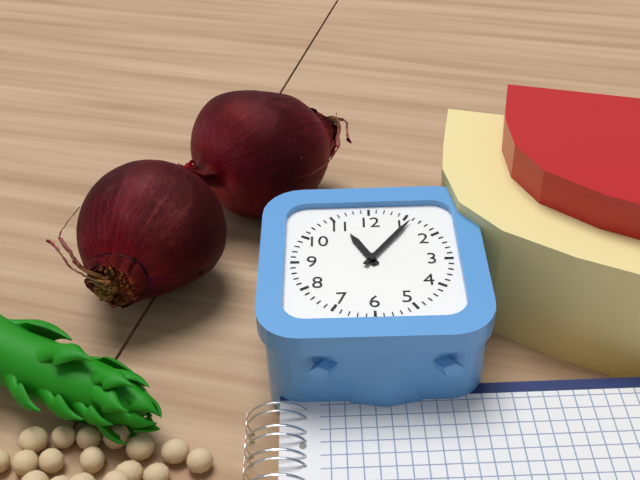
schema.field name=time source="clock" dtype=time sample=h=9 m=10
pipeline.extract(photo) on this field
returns h=11 m=6
